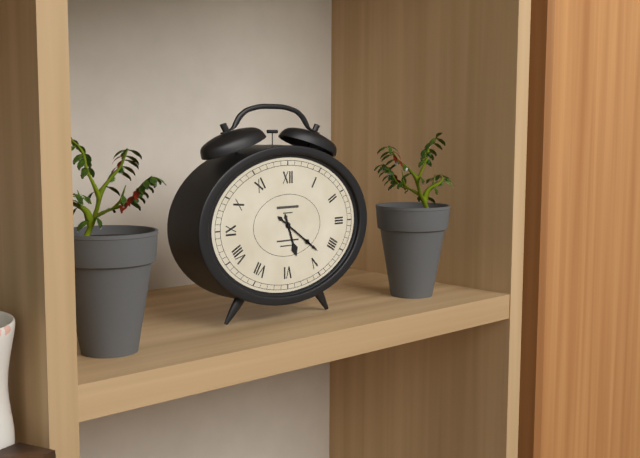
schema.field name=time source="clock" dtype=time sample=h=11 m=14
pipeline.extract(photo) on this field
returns h=5 m=21
